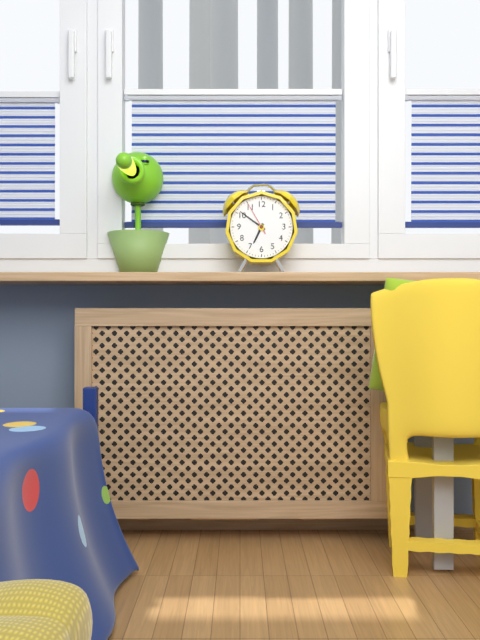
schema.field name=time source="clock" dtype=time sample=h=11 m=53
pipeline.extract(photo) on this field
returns h=6 m=51
